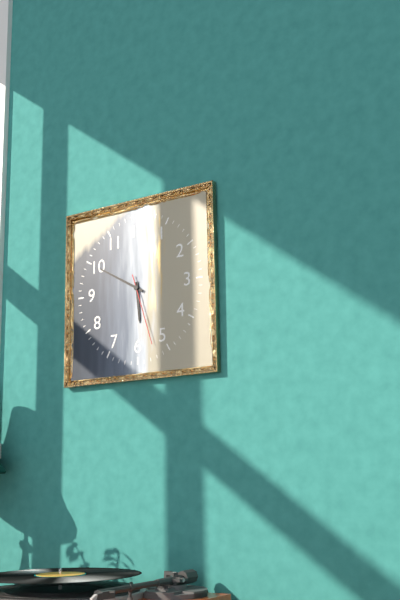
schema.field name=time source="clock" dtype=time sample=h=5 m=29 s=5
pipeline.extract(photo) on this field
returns h=5 m=50 s=27
